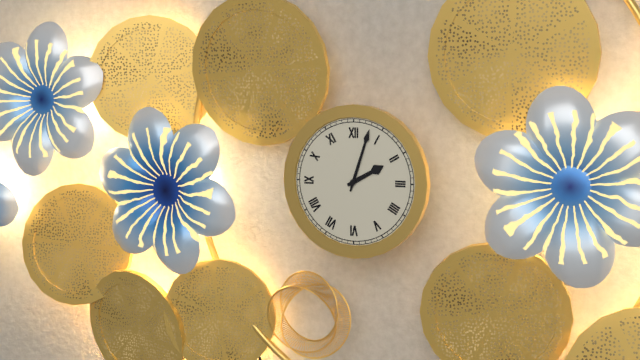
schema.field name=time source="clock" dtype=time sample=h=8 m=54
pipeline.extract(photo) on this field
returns h=2 m=3
